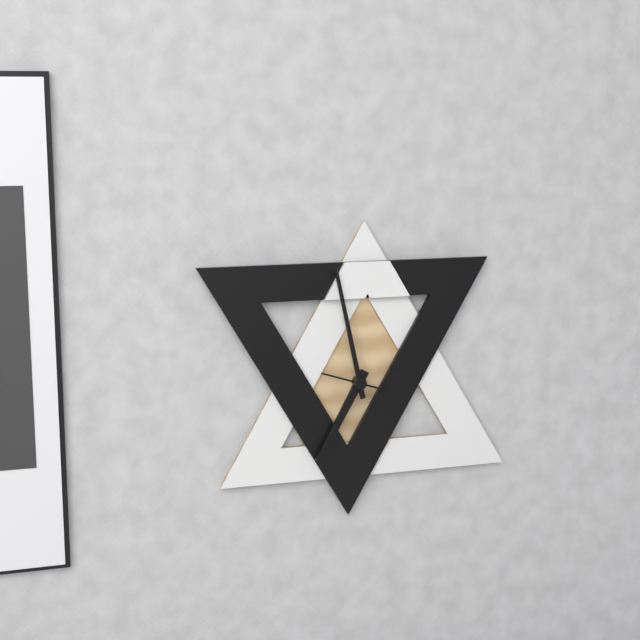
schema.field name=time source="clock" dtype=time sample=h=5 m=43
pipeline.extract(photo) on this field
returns h=6 m=58
